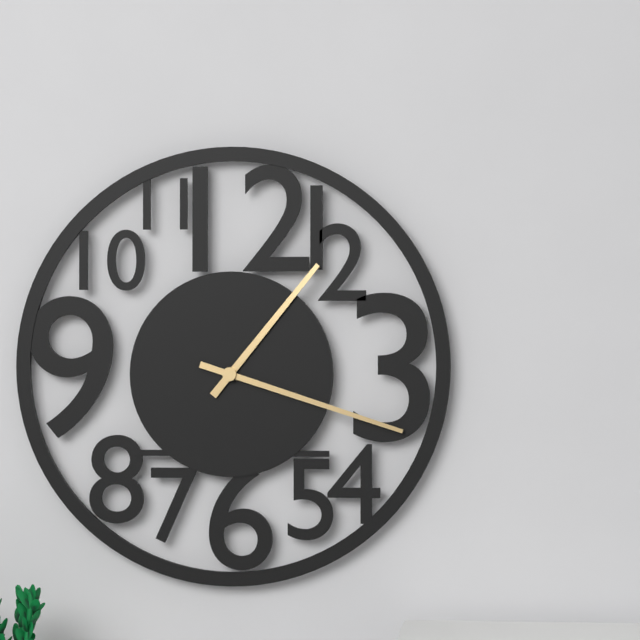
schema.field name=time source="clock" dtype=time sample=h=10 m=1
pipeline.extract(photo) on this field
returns h=1 m=18
